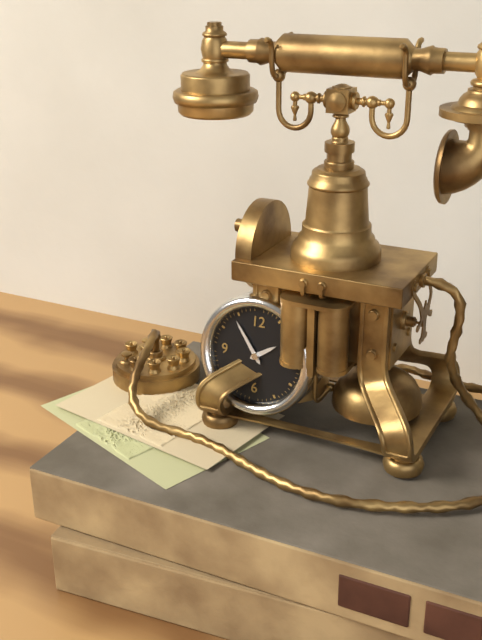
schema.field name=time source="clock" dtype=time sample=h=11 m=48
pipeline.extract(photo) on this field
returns h=1 m=54
